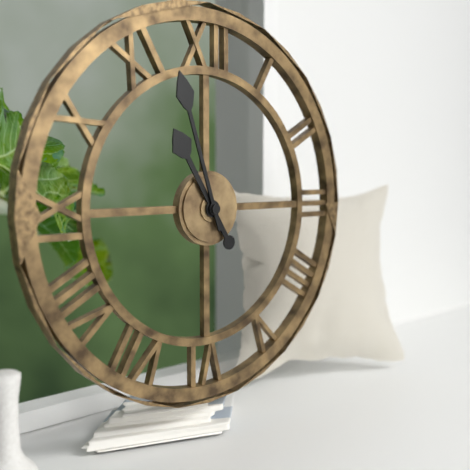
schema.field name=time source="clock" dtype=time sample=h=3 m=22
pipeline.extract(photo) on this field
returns h=10 m=57
